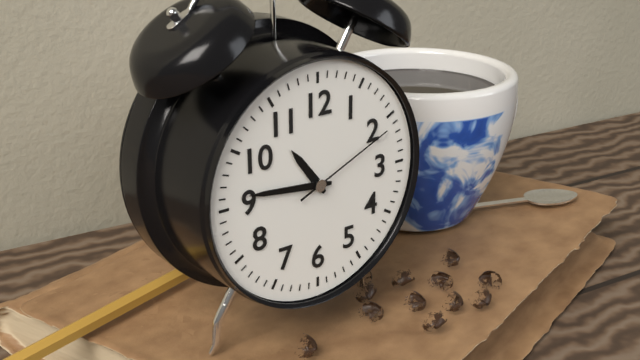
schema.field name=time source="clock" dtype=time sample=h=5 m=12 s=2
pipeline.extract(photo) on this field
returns h=10 m=46 s=11
